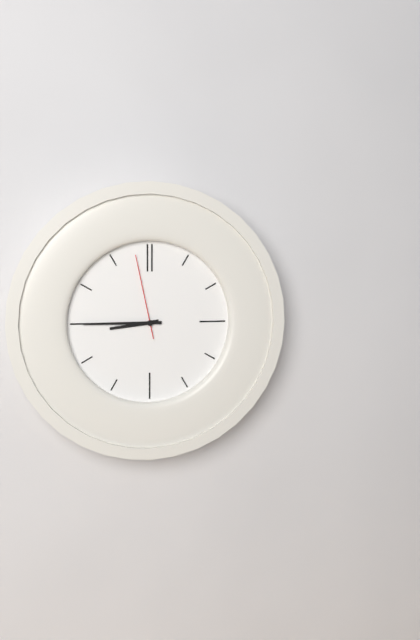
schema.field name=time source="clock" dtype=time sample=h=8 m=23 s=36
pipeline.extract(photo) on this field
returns h=8 m=45 s=58
